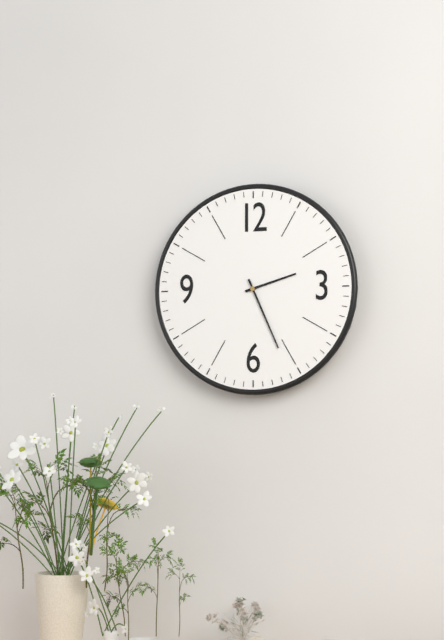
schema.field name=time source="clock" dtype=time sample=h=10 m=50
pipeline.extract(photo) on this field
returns h=2 m=26
